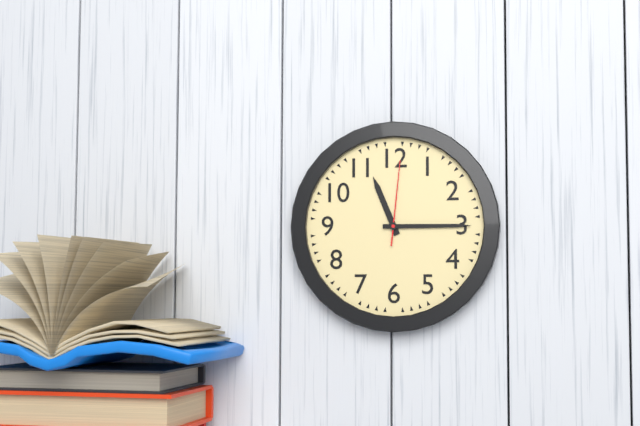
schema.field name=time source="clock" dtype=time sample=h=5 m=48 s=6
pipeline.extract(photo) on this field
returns h=11 m=15 s=1
